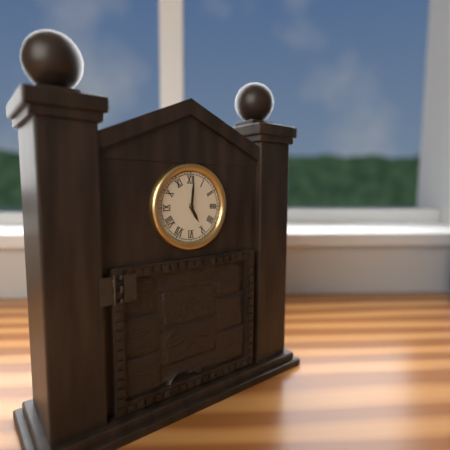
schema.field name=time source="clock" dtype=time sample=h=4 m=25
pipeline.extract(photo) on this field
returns h=5 m=1
